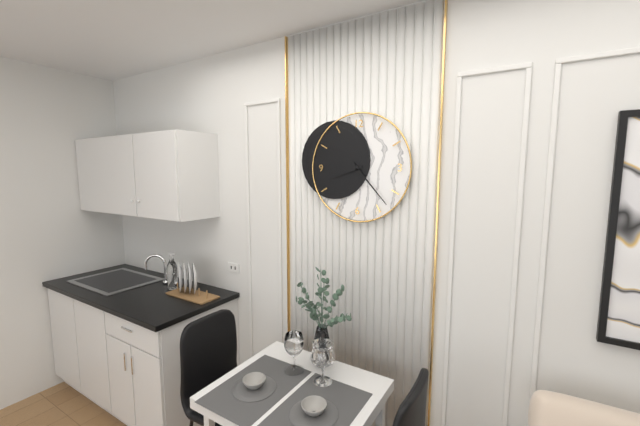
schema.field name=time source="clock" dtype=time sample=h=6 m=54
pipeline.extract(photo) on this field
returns h=8 m=23
